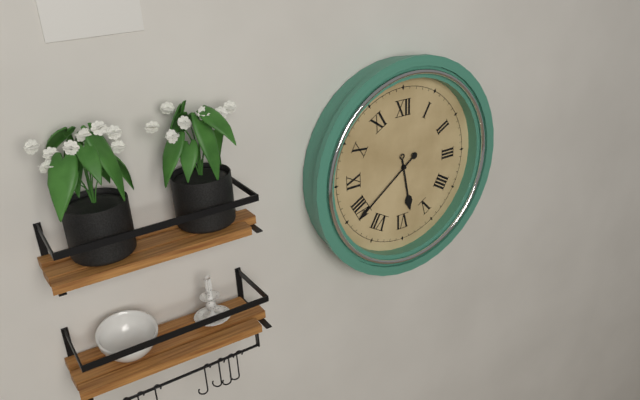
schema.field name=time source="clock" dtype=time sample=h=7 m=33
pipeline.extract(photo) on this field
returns h=5 m=39
